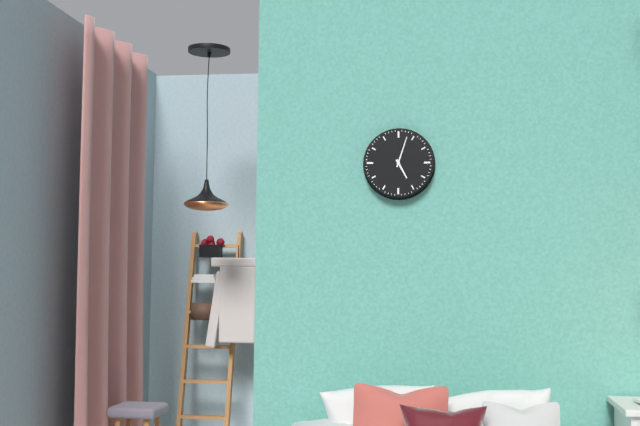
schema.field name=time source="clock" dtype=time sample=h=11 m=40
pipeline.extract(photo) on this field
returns h=5 m=3
